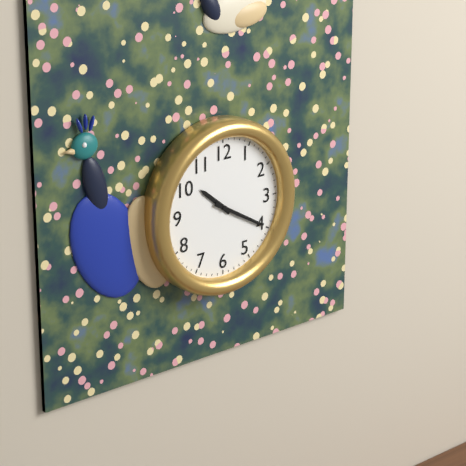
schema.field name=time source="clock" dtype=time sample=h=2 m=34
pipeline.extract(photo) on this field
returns h=10 m=20
